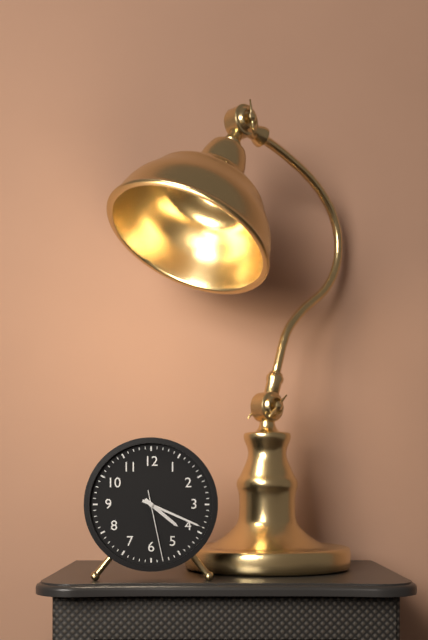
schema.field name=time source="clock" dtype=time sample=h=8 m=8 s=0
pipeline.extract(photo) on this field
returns h=4 m=19 s=28
